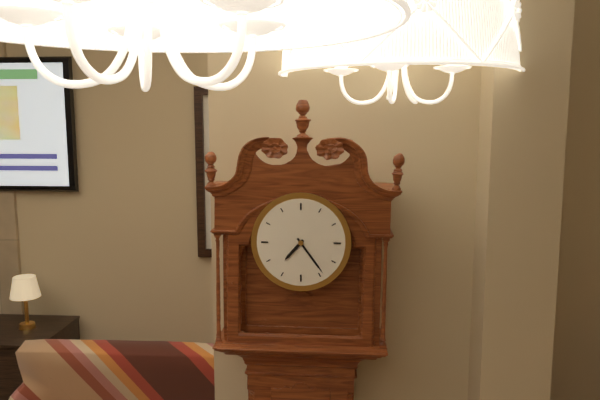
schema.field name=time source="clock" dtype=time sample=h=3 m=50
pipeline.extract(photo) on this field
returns h=7 m=24
